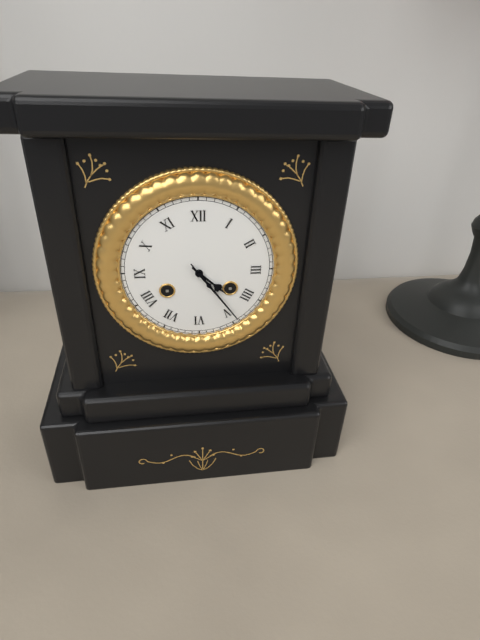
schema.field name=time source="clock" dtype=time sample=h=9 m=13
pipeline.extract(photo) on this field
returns h=4 m=24
